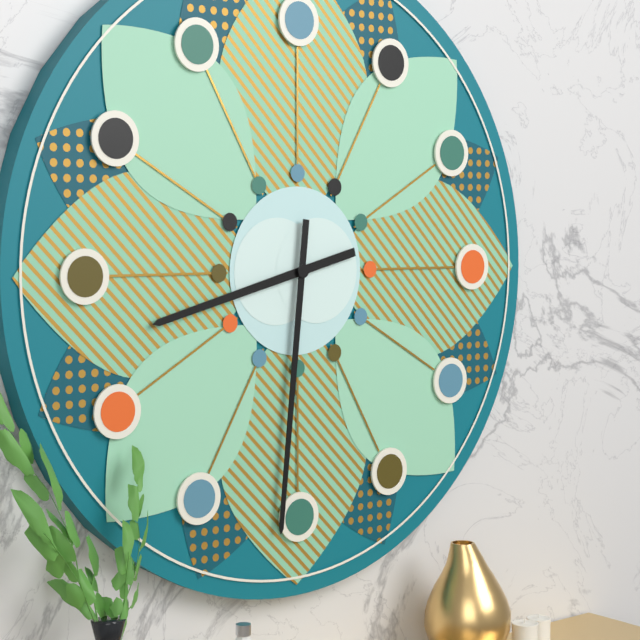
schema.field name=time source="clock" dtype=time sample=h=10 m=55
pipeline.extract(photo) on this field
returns h=8 m=31
